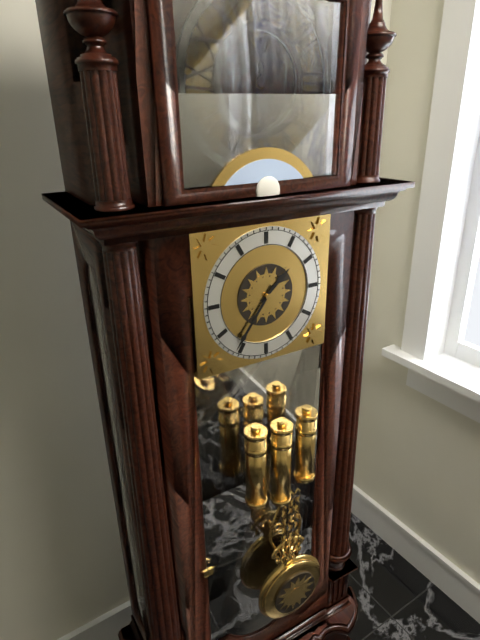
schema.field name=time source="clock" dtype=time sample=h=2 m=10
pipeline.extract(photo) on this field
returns h=1 m=36
